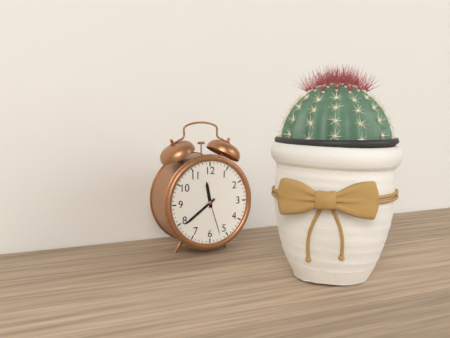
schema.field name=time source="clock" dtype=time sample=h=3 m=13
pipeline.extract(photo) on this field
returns h=11 m=39
